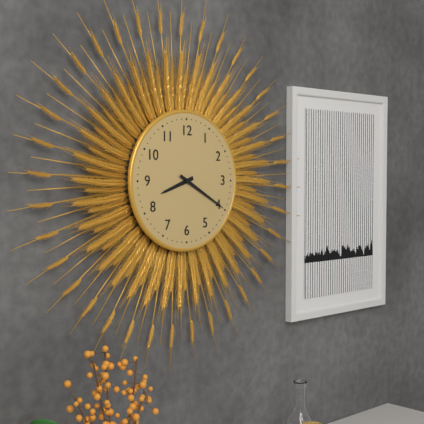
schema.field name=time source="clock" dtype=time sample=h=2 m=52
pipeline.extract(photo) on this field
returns h=8 m=20
